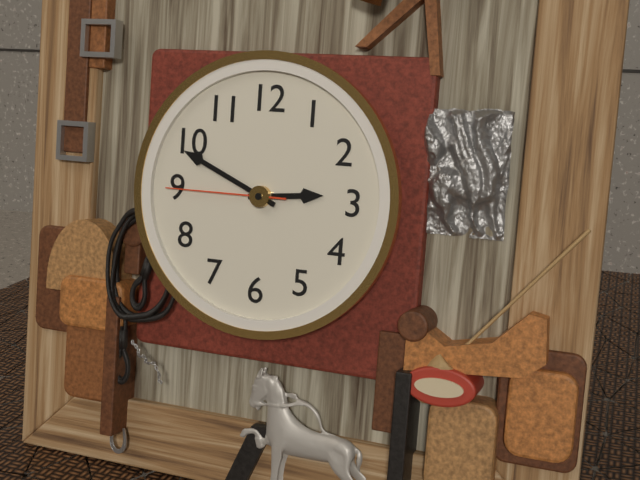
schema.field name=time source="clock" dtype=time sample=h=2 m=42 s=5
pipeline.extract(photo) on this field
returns h=2 m=49 s=45
